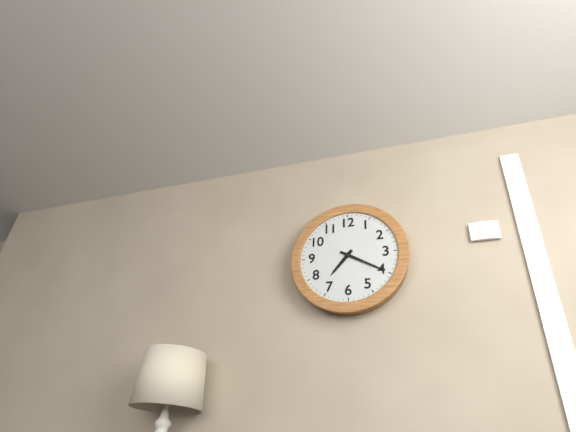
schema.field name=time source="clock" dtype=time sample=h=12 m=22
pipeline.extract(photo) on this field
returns h=7 m=20
